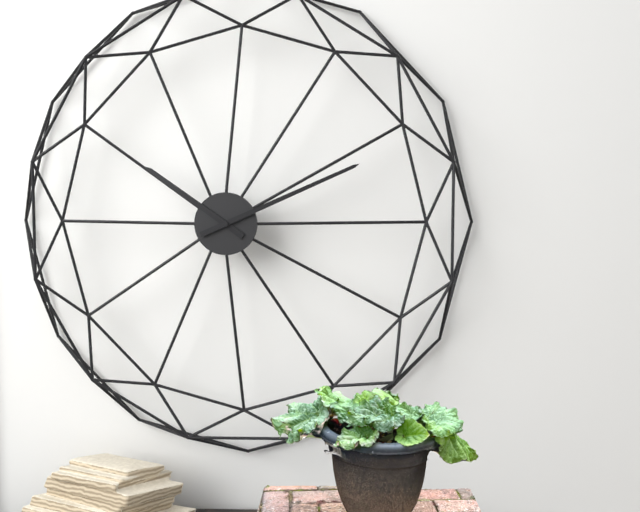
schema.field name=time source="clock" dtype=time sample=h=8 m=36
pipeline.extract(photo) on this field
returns h=10 m=11
